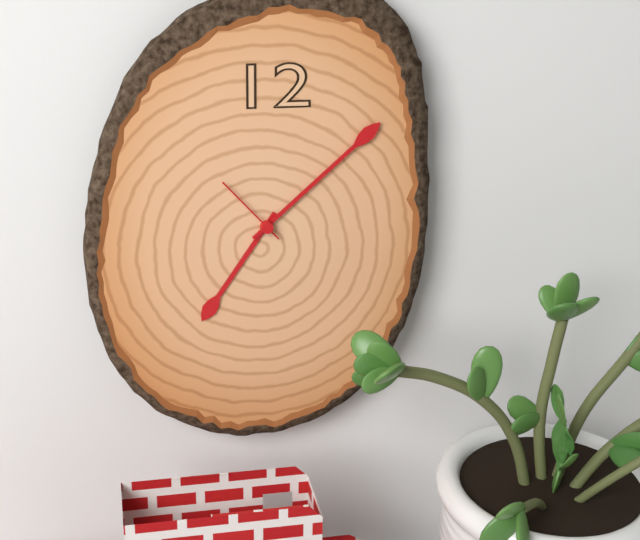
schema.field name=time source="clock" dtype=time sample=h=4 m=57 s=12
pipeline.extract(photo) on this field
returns h=7 m=8 s=53
